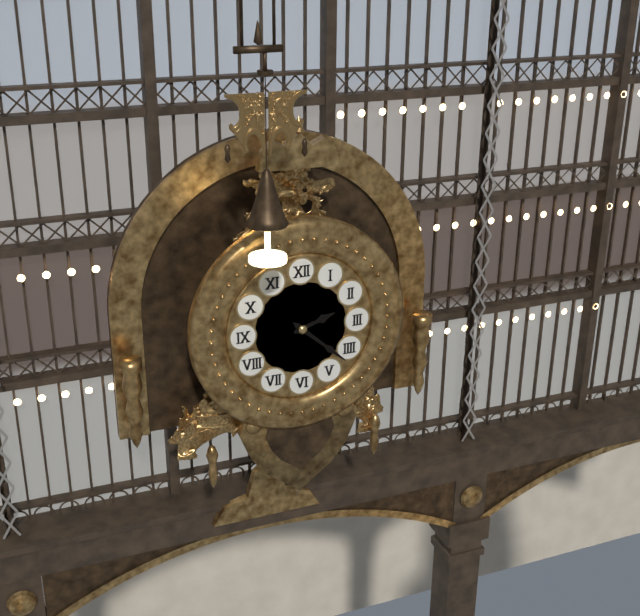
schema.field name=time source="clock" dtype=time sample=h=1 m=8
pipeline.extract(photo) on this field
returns h=2 m=22
